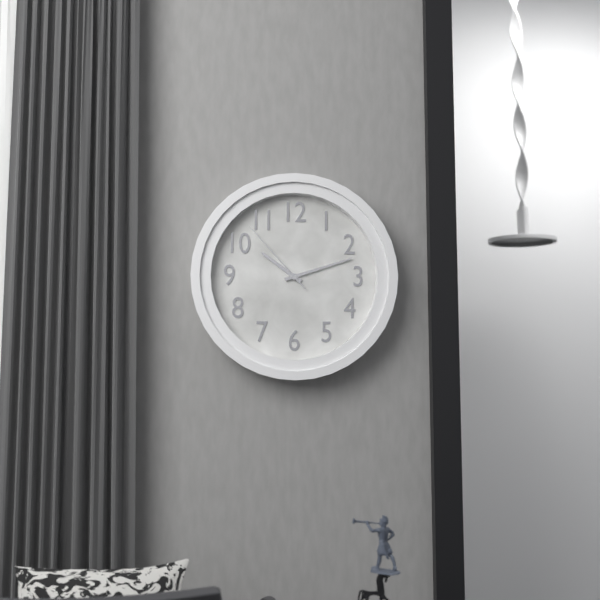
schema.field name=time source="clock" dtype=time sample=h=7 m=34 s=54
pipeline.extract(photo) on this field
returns h=10 m=12 s=53
